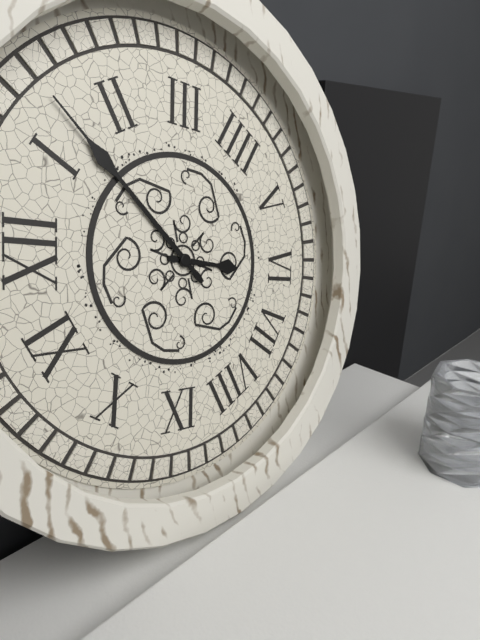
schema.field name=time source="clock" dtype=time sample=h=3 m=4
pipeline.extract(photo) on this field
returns h=6 m=7
